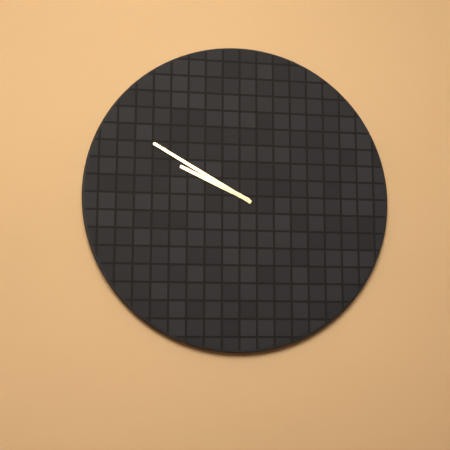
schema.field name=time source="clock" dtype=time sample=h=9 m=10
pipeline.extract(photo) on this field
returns h=9 m=50
